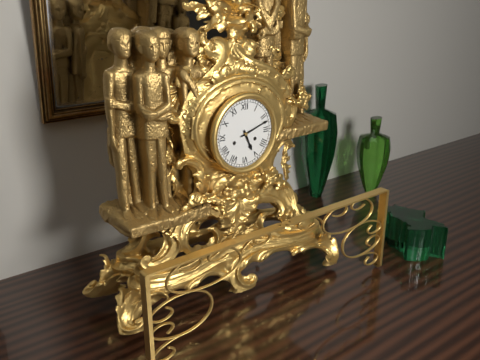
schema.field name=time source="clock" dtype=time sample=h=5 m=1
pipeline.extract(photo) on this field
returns h=5 m=12
